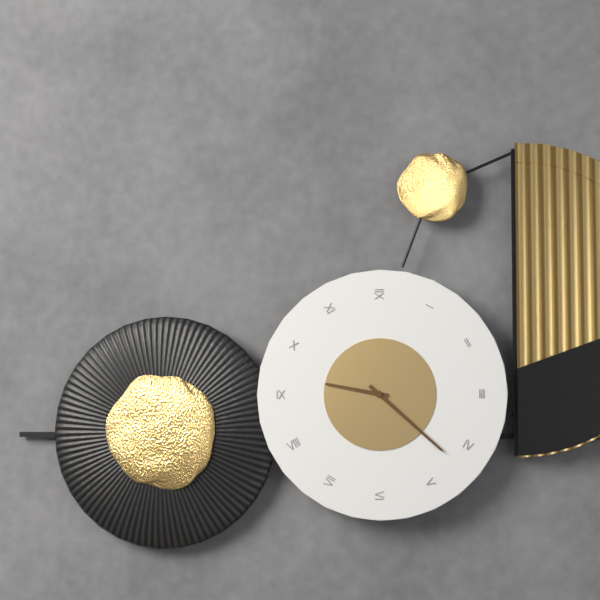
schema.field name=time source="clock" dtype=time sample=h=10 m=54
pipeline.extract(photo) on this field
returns h=9 m=22
